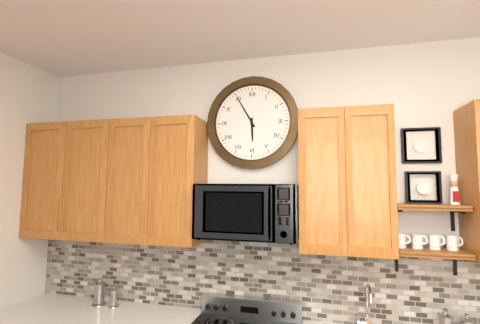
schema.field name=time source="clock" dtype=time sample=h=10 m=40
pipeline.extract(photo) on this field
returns h=5 m=55
